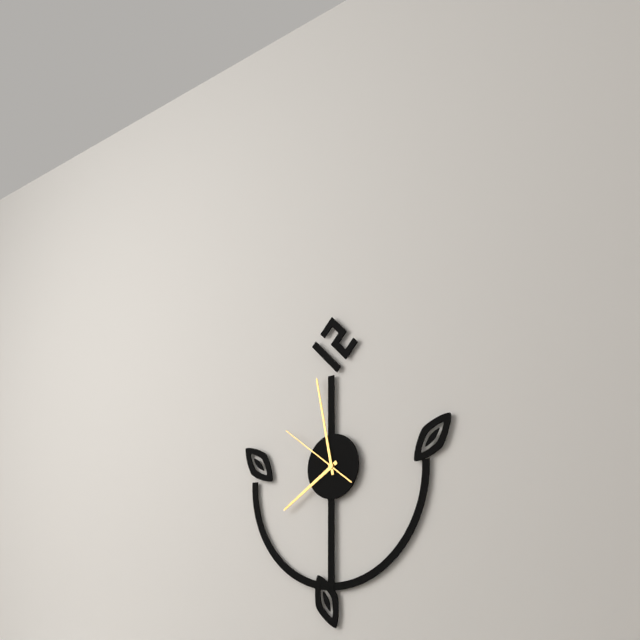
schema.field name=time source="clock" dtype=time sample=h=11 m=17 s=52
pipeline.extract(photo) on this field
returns h=7 m=58 s=51
